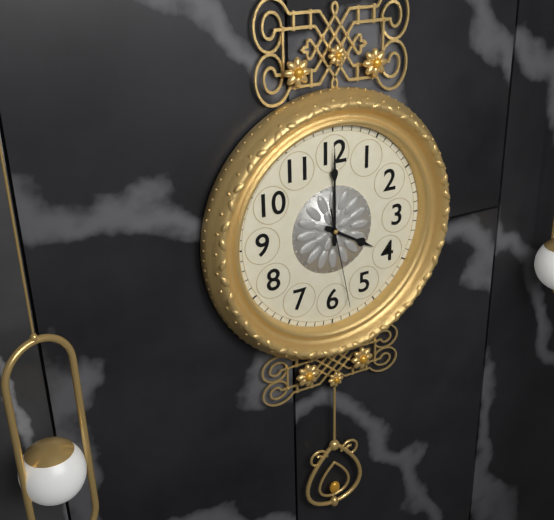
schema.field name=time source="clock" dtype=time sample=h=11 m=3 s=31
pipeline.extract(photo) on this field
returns h=4 m=0 s=28
